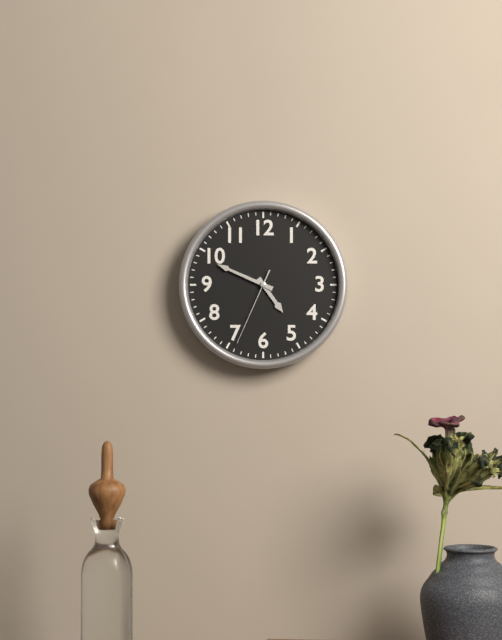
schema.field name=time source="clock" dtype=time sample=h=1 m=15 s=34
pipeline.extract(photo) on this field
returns h=4 m=49 s=34
